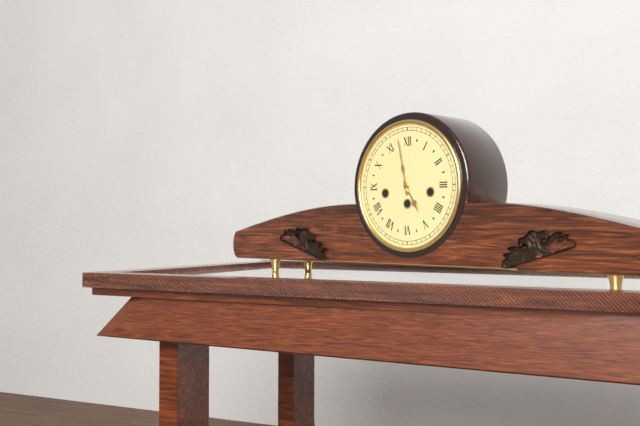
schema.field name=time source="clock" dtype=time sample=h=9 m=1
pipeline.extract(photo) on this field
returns h=4 m=58
